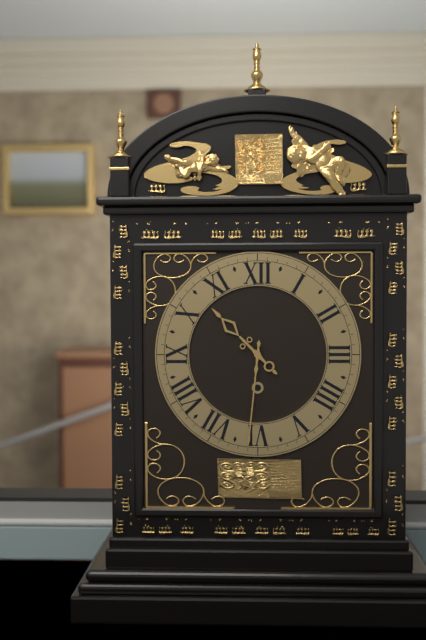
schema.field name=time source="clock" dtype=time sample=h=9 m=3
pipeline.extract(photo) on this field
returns h=10 m=31
